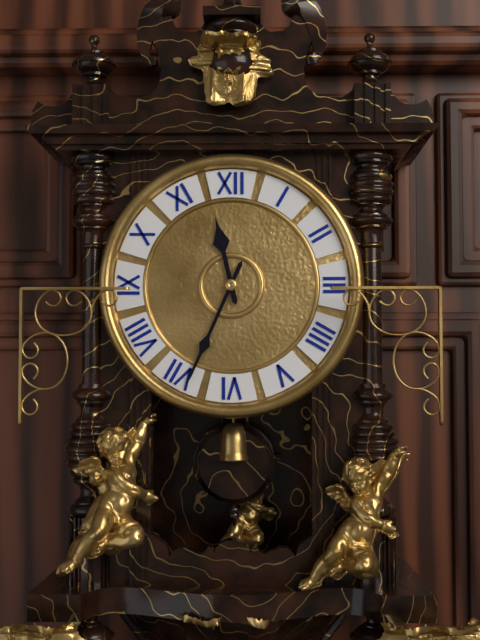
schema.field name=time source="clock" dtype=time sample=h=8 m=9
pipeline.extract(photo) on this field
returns h=11 m=34
